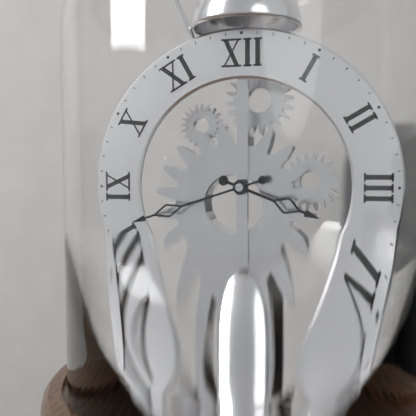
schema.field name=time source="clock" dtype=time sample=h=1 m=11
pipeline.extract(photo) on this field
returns h=3 m=42
